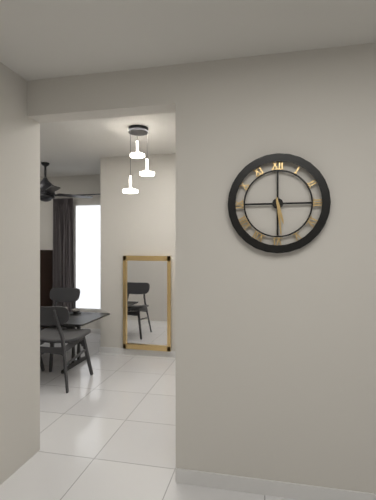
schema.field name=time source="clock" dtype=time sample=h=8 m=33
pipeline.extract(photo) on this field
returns h=5 m=29
